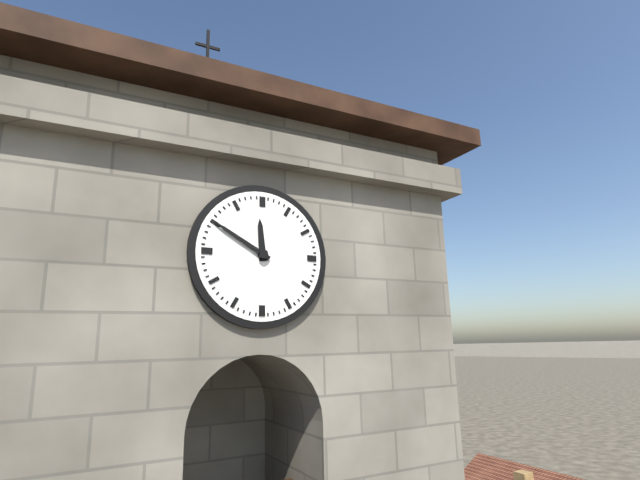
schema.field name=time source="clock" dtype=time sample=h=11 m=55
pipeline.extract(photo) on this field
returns h=11 m=50
